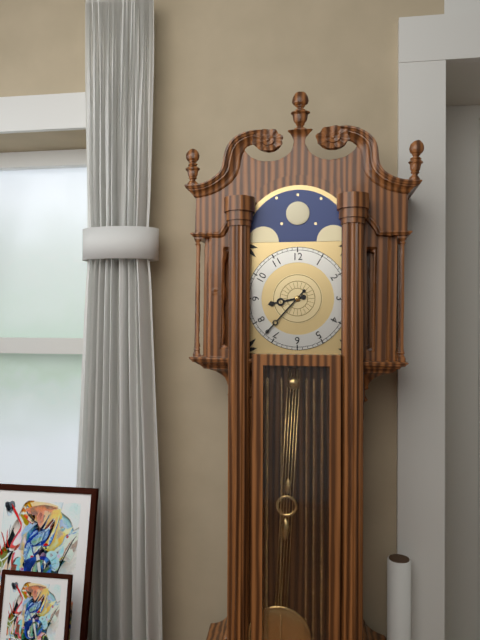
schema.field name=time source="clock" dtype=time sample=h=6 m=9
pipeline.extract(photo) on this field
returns h=8 m=37
